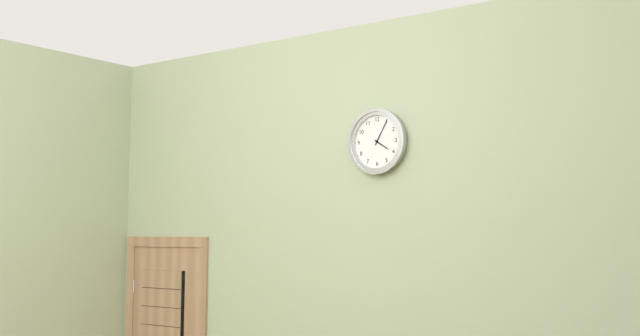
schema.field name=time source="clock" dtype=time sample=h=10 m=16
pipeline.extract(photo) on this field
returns h=4 m=5
